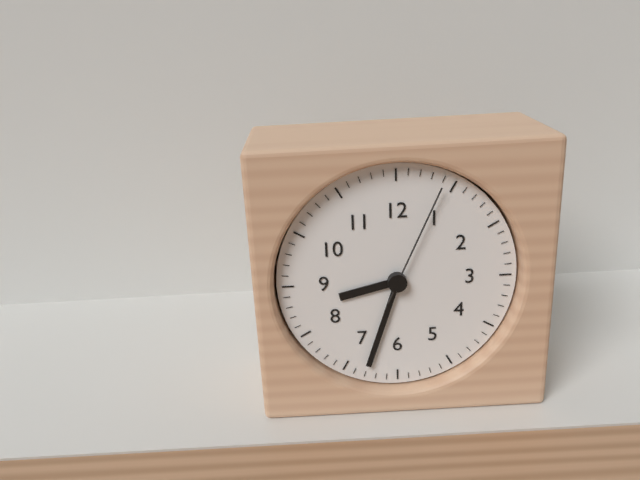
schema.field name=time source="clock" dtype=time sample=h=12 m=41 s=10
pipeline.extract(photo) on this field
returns h=8 m=33 s=4
